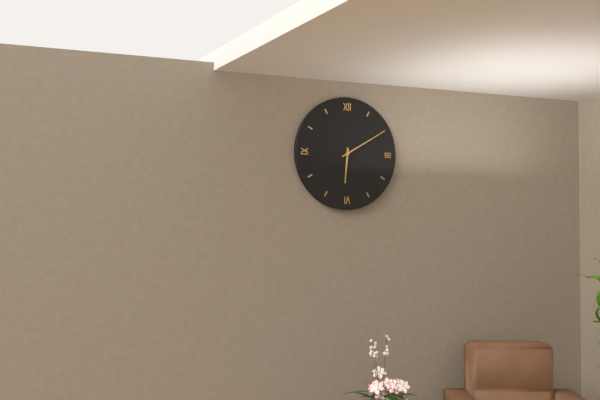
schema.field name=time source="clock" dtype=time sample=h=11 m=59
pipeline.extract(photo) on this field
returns h=6 m=10
